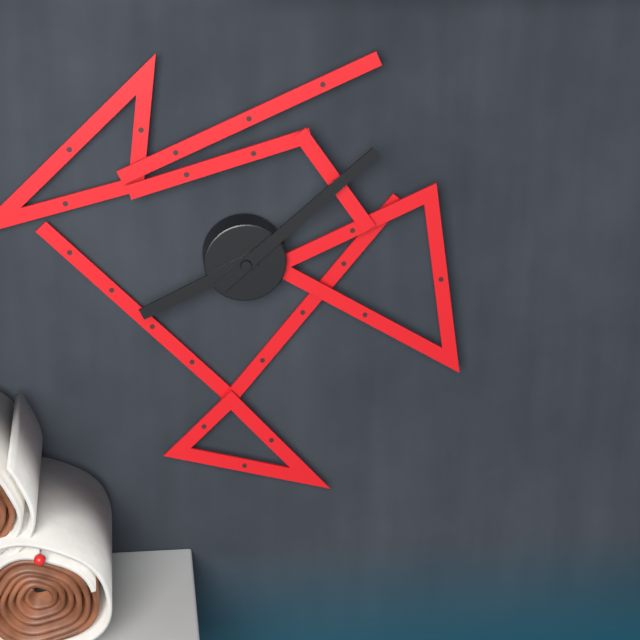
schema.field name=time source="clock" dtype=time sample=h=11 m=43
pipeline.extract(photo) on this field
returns h=8 m=8
